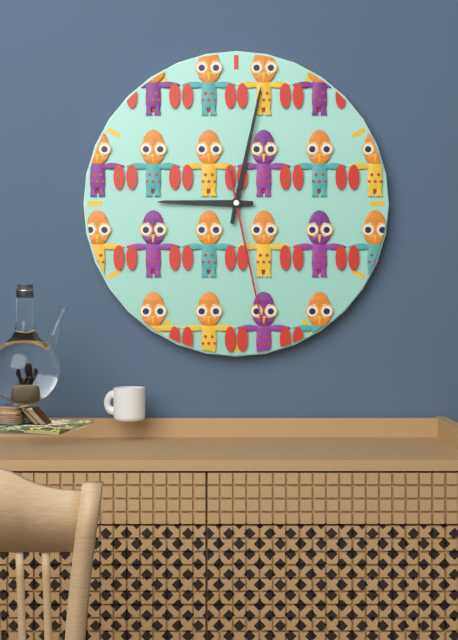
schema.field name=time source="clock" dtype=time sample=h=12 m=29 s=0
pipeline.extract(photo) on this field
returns h=9 m=2 s=28
